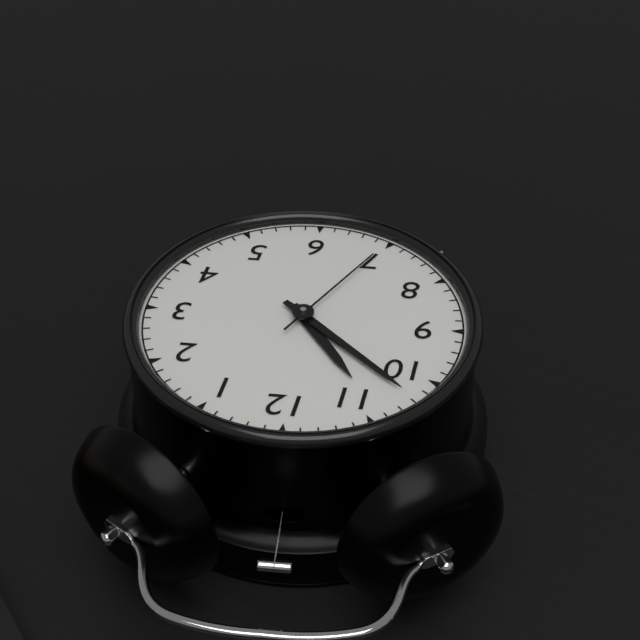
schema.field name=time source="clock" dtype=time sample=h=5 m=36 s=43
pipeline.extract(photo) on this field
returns h=10 m=52 s=35
